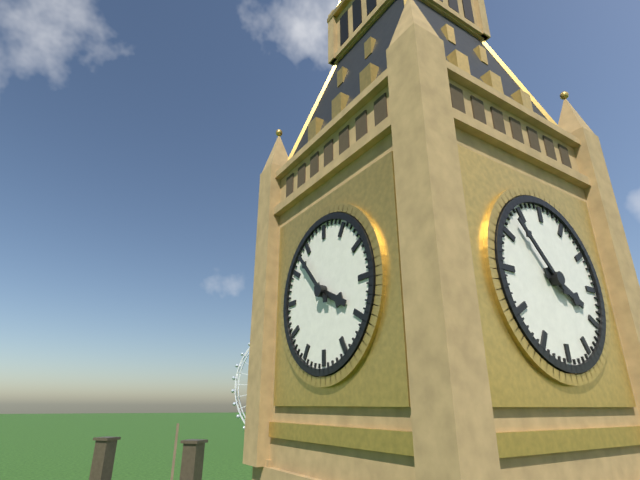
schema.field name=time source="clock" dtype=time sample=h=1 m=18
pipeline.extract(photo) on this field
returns h=3 m=53
